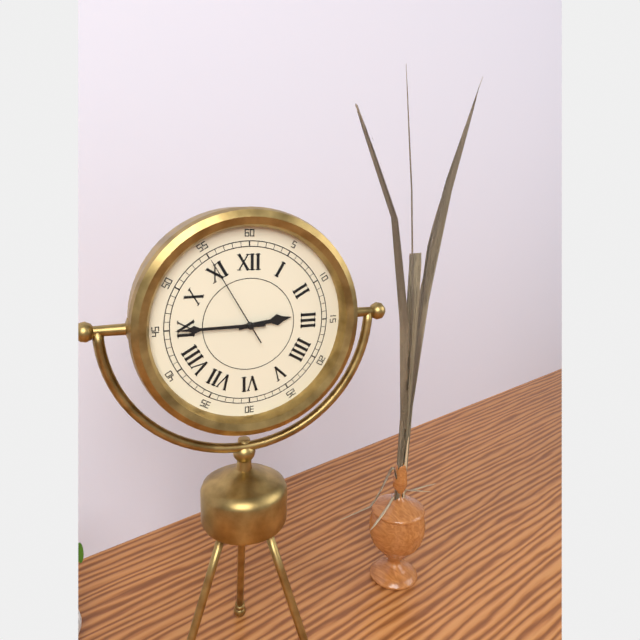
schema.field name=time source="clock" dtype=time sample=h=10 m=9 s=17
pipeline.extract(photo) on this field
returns h=2 m=45 s=55
